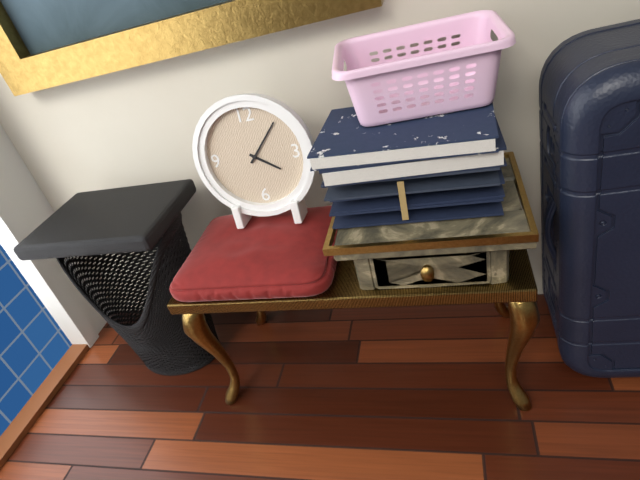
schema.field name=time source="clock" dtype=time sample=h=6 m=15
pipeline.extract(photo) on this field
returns h=4 m=7
